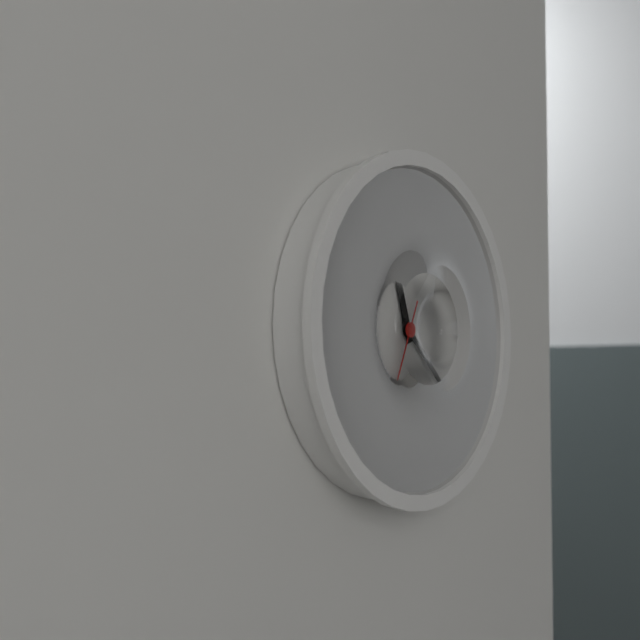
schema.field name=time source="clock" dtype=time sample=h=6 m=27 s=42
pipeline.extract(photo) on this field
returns h=11 m=22 s=34
